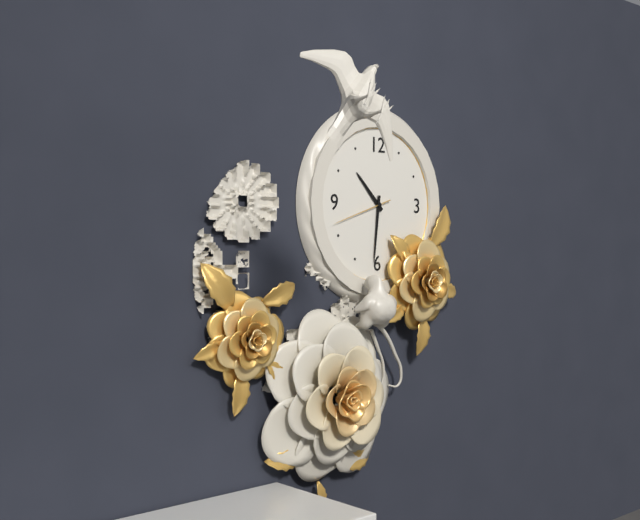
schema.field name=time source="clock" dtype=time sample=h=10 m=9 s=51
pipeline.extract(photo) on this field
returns h=10 m=31 s=42
